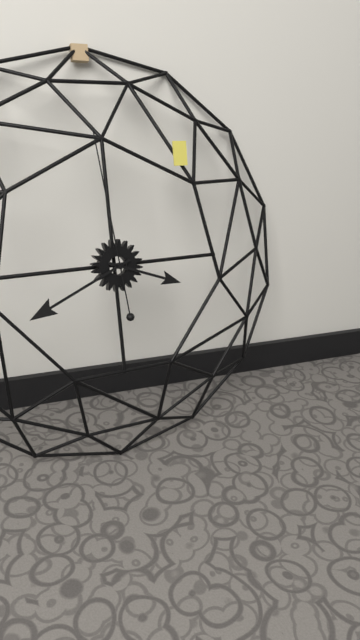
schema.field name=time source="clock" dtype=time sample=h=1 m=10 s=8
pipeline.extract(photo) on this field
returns h=3 m=41 s=59
